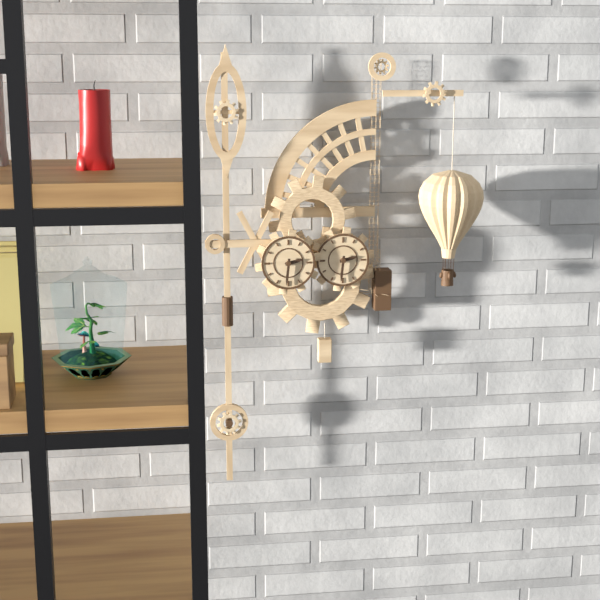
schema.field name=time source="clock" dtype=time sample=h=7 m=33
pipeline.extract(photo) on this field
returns h=2 m=31
